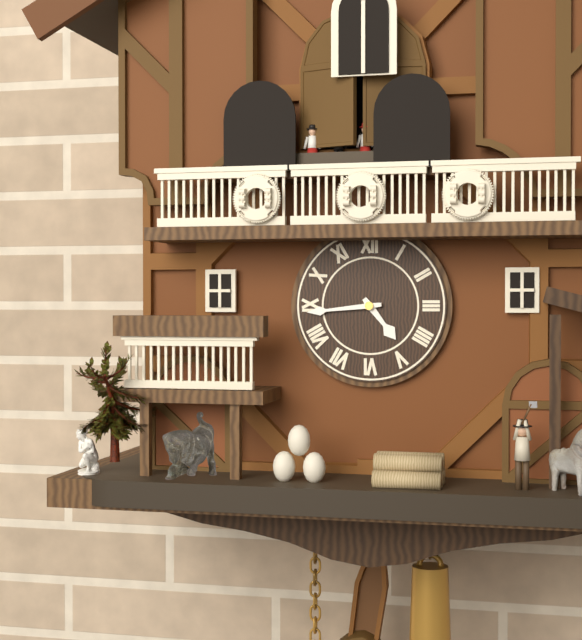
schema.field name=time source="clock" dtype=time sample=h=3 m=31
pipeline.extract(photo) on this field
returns h=4 m=44
